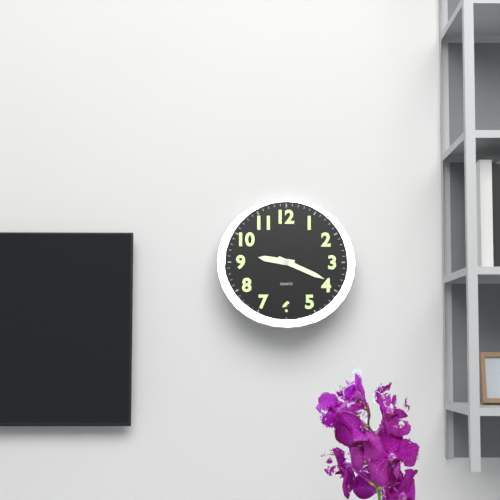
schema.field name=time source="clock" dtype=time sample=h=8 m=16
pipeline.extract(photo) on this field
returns h=9 m=19
